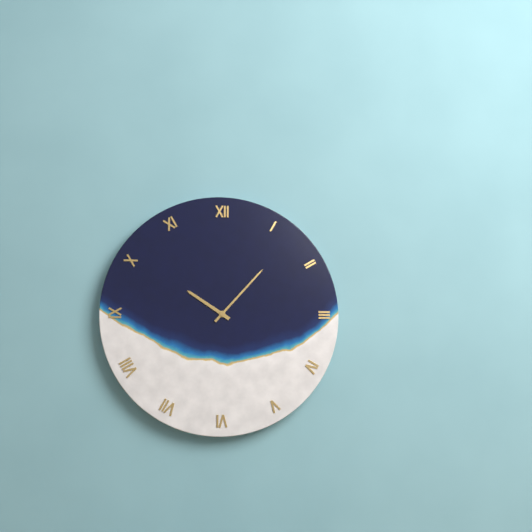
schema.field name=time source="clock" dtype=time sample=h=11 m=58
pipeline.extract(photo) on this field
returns h=10 m=7
